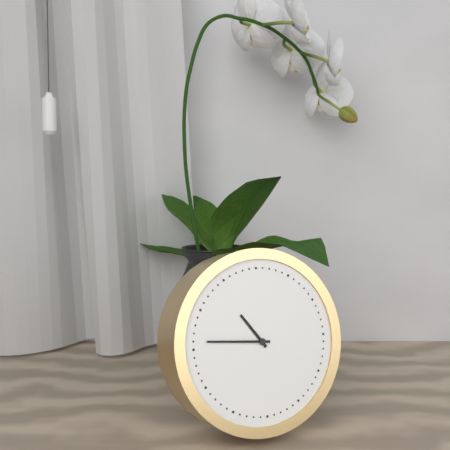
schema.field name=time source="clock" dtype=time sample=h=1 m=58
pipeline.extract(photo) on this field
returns h=10 m=46
